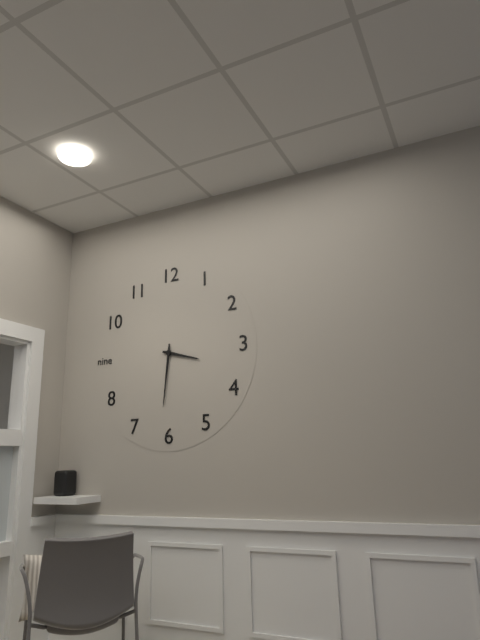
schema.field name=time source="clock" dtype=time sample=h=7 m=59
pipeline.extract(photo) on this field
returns h=3 m=31
